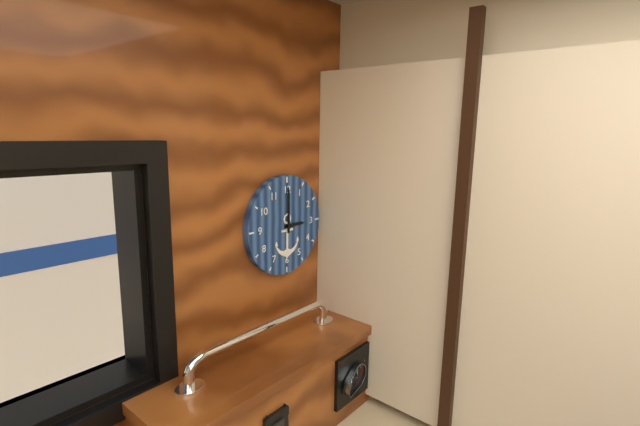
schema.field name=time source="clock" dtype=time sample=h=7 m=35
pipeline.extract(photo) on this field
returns h=3 m=0
